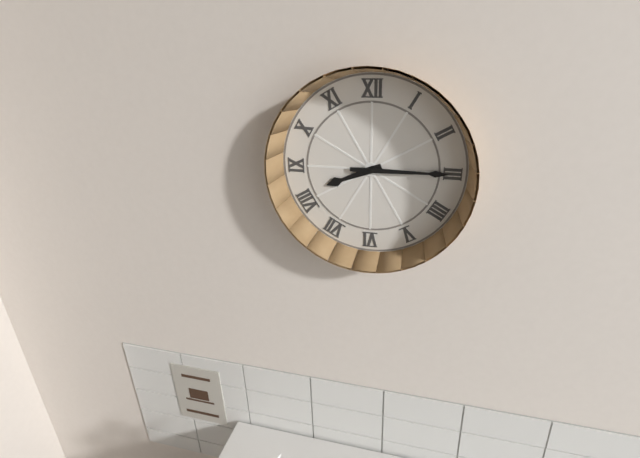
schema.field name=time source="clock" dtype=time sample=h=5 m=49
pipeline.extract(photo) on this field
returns h=8 m=15
